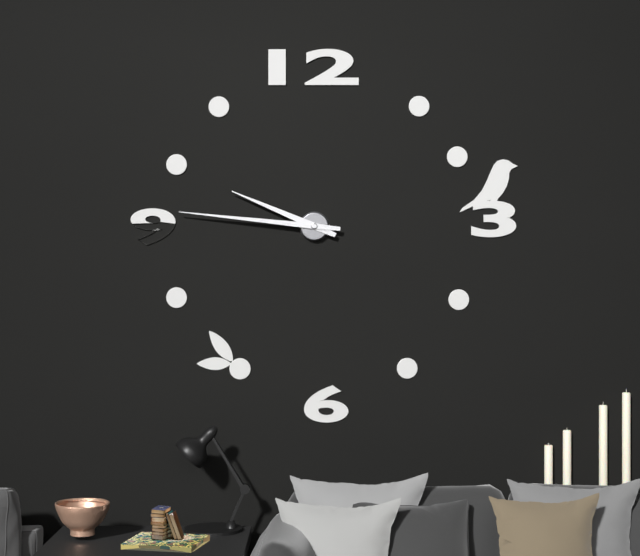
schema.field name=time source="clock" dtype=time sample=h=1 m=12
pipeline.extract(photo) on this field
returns h=9 m=46
